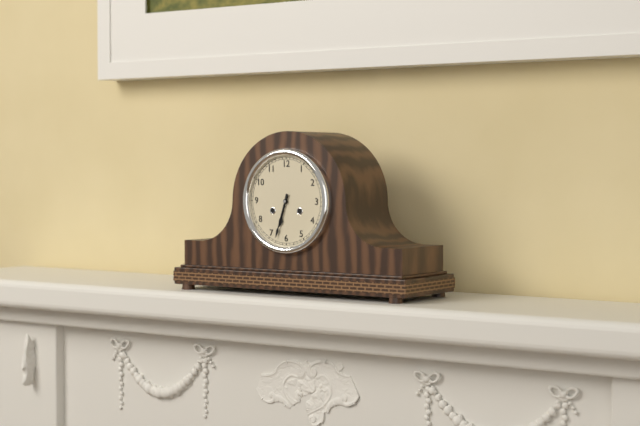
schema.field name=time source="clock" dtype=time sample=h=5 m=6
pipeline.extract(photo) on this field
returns h=6 m=33
